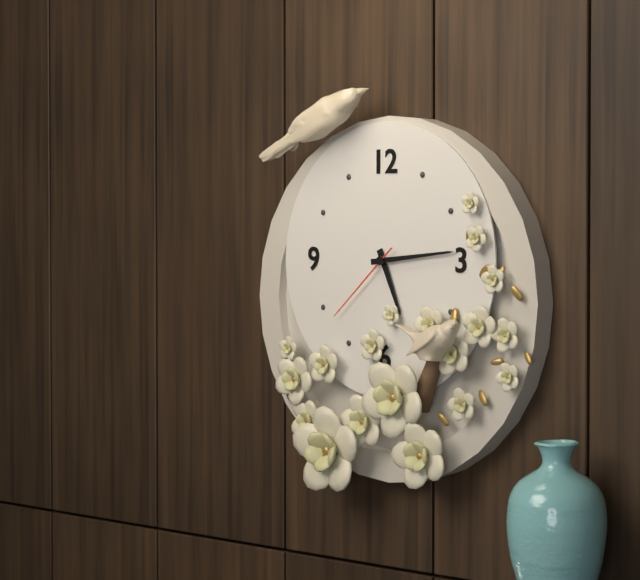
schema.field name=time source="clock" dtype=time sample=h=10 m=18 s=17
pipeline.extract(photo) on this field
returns h=5 m=14 s=38
